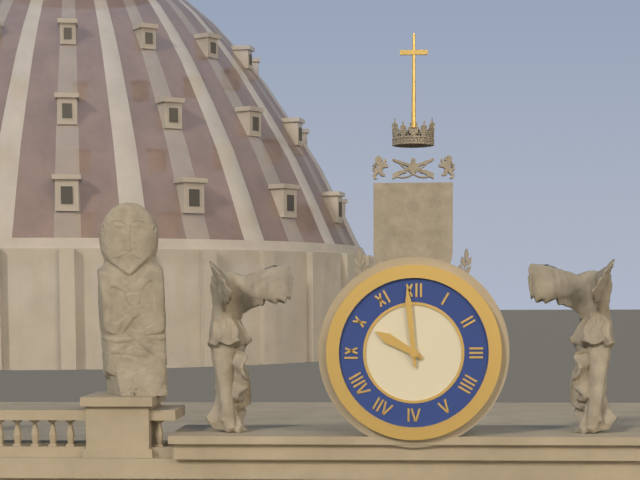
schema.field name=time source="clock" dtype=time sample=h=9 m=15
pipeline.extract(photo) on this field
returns h=9 m=59
